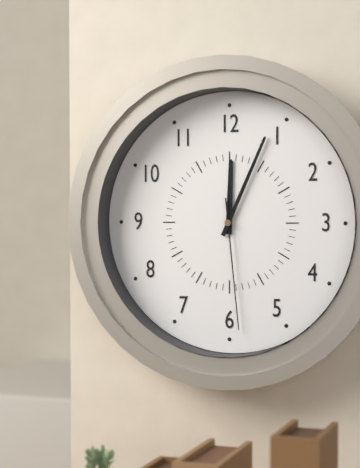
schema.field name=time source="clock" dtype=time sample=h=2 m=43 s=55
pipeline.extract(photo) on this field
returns h=12 m=4 s=29
